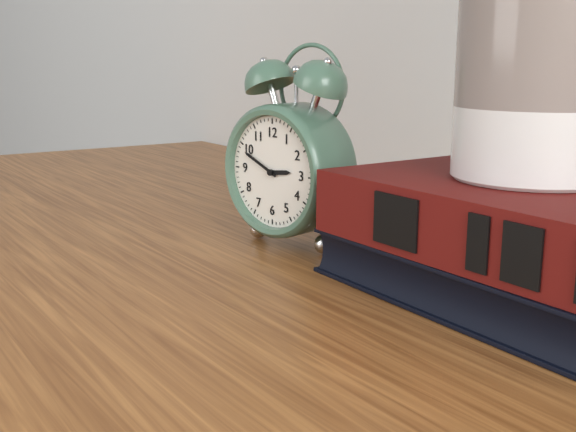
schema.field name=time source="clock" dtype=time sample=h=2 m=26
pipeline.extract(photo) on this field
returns h=2 m=49
